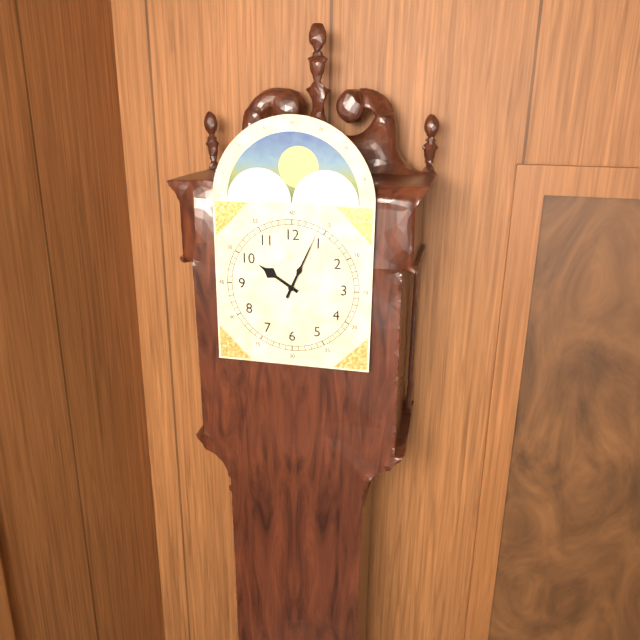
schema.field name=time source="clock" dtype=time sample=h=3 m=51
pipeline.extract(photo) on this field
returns h=10 m=4
